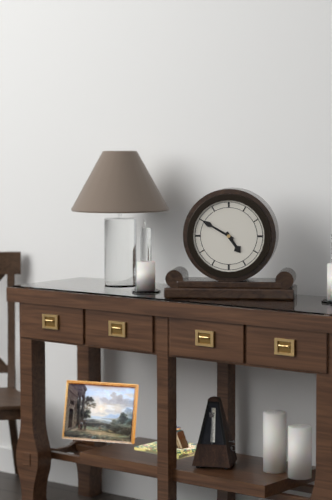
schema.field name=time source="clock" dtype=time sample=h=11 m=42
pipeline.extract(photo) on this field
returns h=4 m=50
